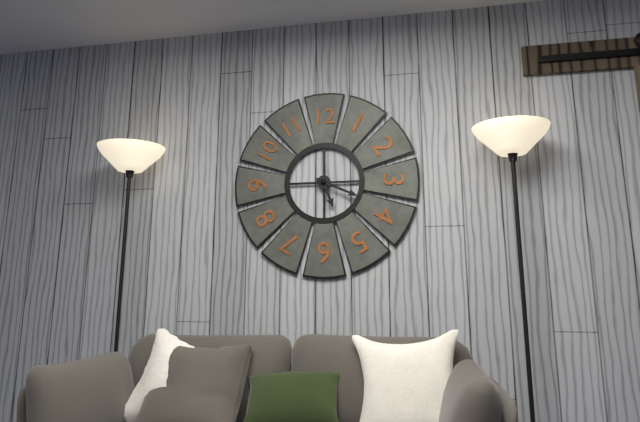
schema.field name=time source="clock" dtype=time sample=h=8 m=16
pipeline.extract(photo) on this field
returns h=5 m=19
